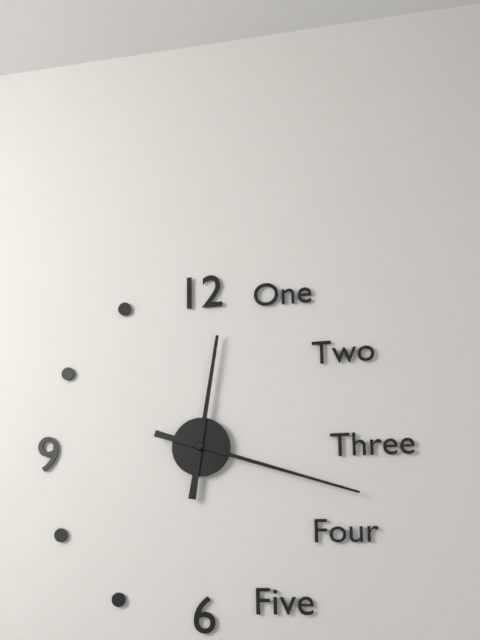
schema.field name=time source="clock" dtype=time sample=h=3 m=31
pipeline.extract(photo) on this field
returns h=12 m=18
